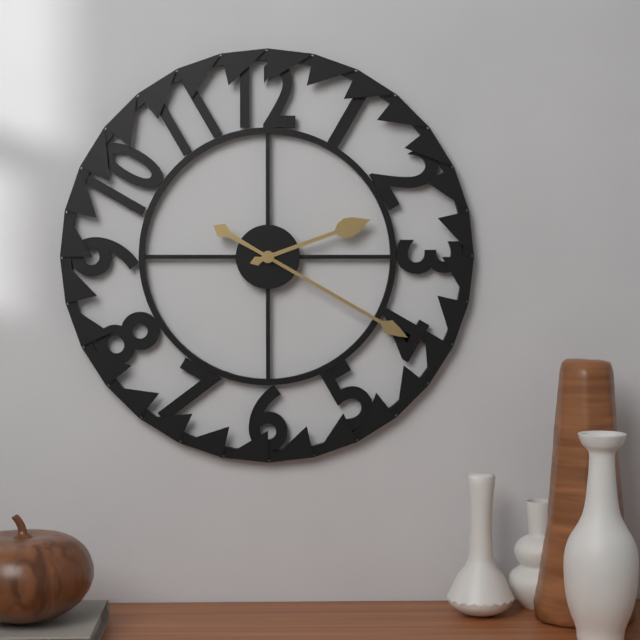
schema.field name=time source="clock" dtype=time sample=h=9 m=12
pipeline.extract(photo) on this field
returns h=2 m=20
